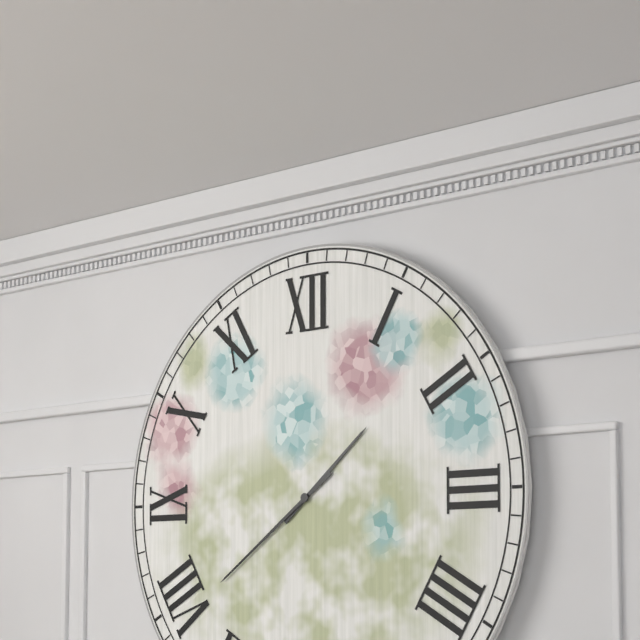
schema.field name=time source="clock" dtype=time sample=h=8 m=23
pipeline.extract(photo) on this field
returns h=1 m=39
